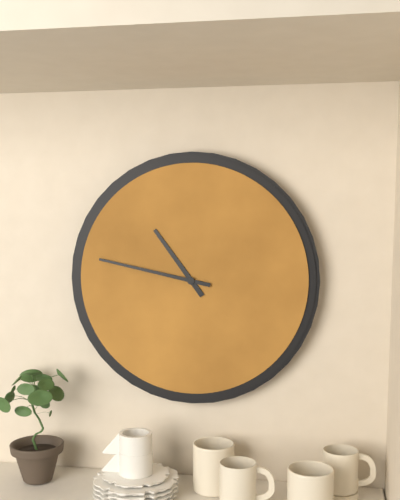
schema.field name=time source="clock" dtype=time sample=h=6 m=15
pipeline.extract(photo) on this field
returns h=10 m=47
